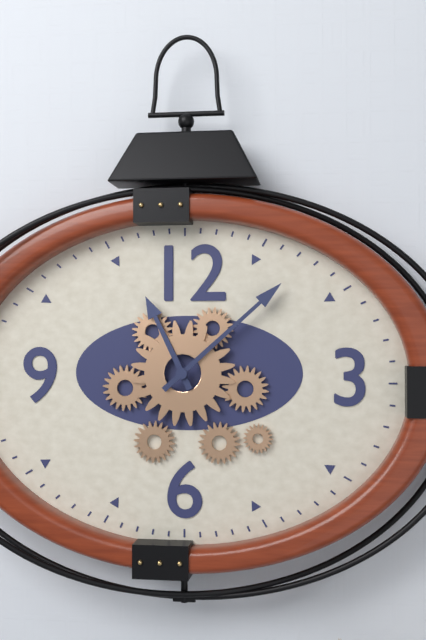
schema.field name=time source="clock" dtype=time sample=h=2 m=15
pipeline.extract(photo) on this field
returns h=11 m=8
